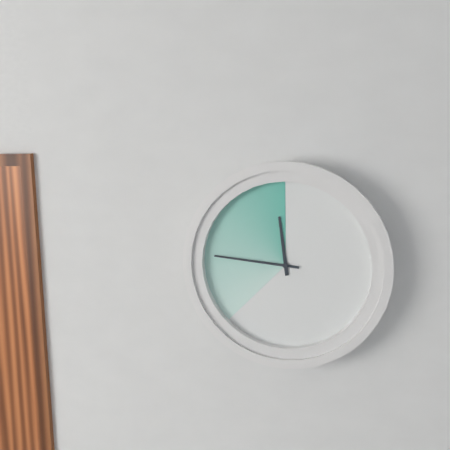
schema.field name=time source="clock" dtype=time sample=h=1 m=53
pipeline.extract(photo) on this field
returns h=11 m=46
